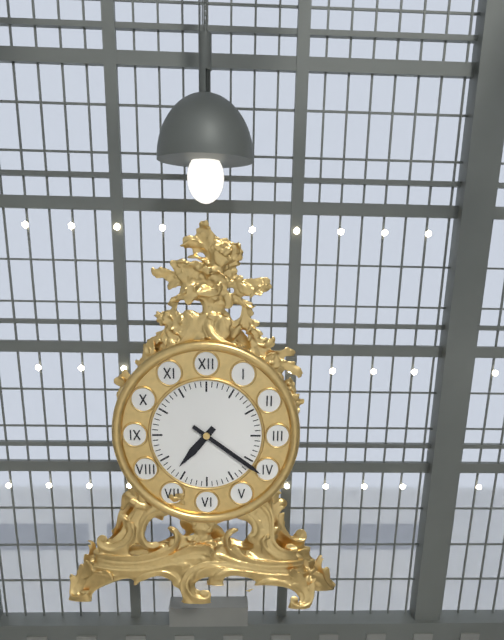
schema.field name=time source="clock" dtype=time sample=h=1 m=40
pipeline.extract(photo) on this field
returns h=7 m=21
